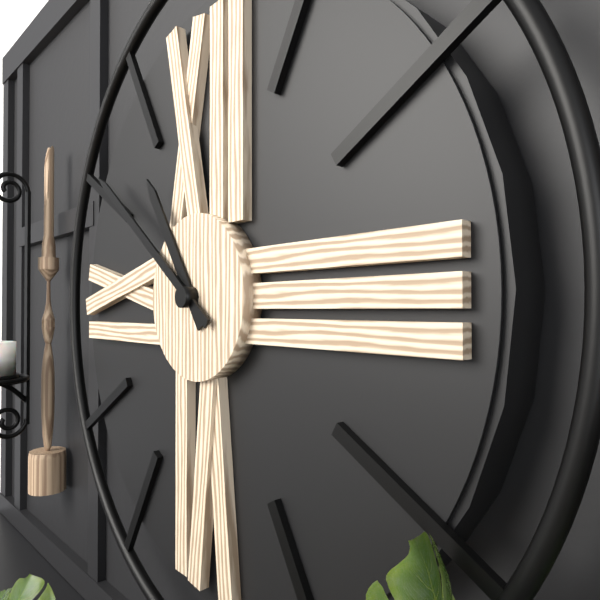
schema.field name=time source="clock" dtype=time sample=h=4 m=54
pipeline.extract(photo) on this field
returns h=10 m=51
